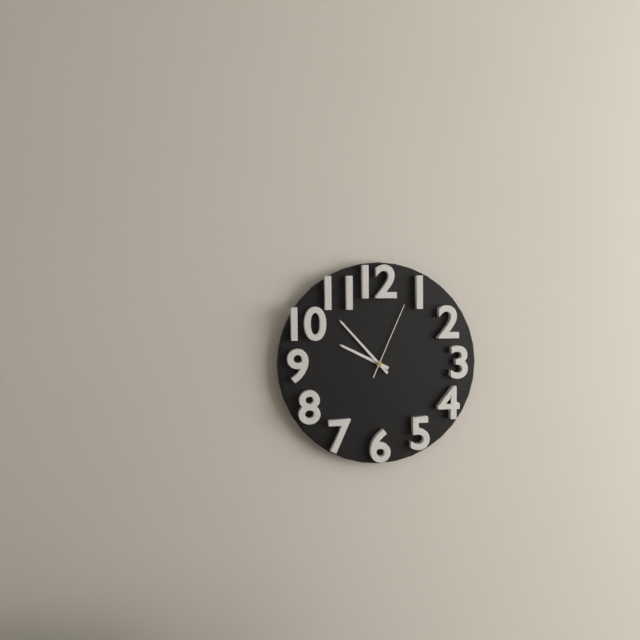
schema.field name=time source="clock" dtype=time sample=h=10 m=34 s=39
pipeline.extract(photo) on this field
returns h=9 m=53 s=4
